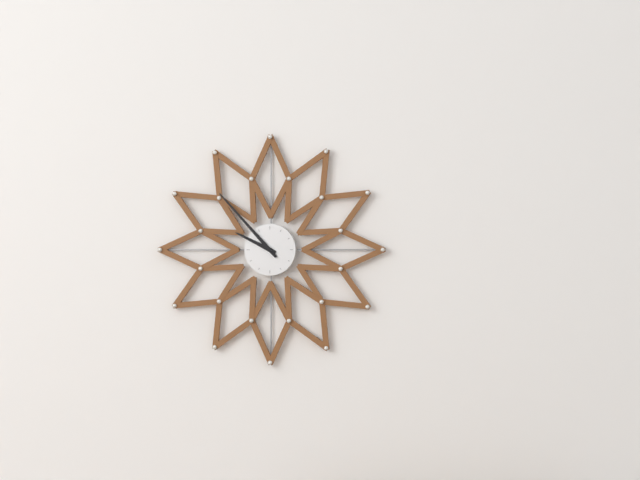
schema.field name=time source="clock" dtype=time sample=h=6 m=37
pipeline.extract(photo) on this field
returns h=9 m=53
